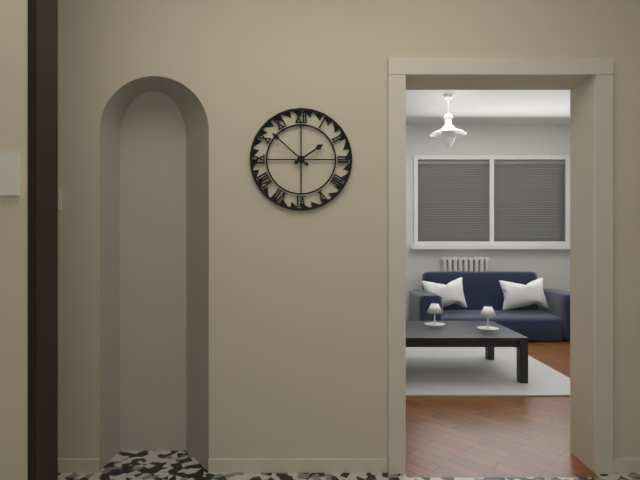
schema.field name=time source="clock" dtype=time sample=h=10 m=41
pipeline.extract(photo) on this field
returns h=1 m=52
